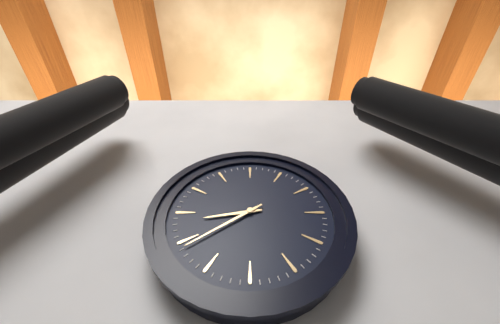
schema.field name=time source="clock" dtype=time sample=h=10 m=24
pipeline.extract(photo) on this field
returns h=8 m=39
